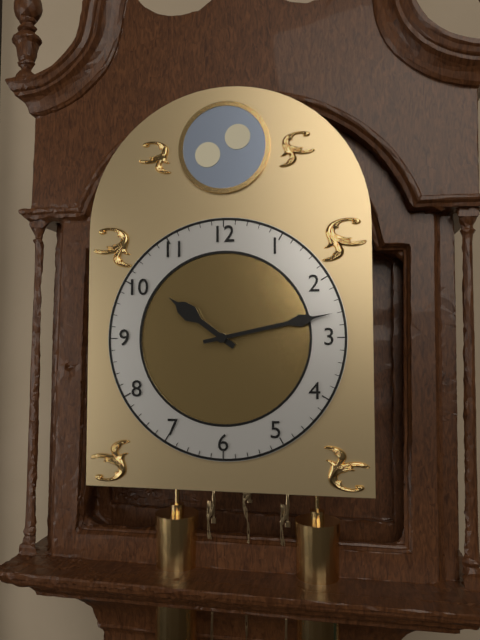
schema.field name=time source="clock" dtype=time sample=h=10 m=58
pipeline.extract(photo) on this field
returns h=10 m=13
